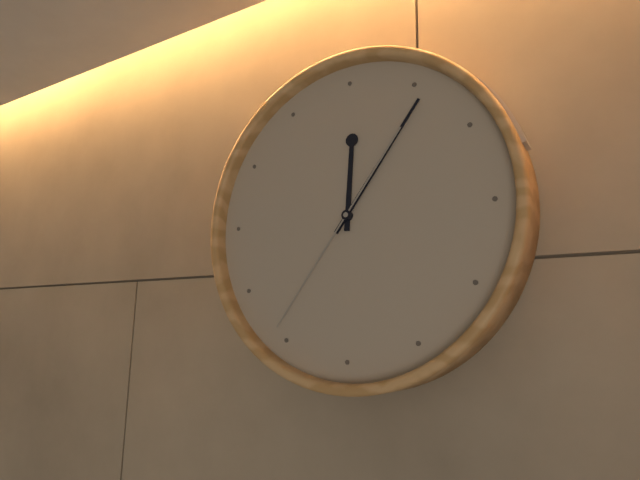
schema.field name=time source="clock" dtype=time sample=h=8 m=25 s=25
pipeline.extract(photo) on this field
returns h=12 m=6 s=36
